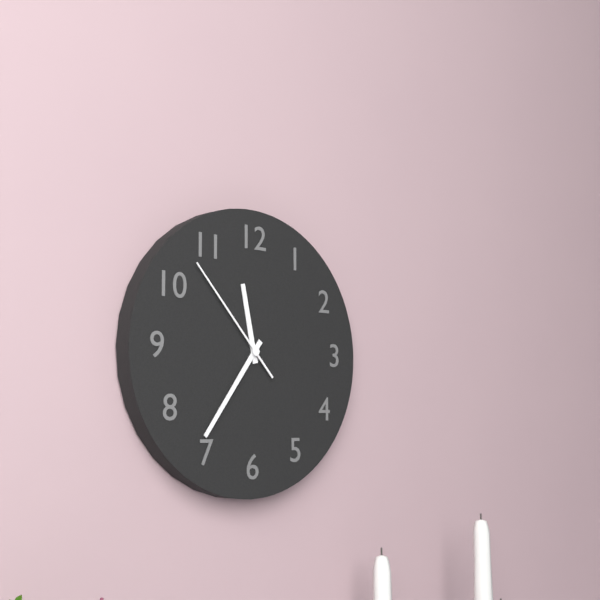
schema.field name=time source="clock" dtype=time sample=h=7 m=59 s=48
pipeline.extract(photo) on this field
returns h=11 m=36 s=53
